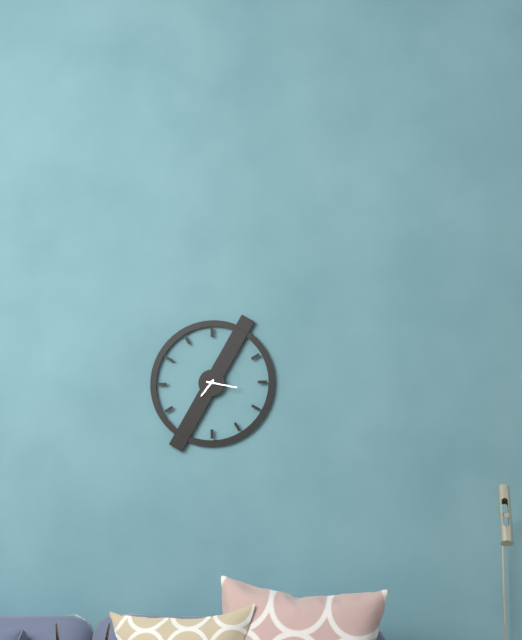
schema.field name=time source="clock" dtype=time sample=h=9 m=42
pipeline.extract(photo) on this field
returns h=7 m=17
